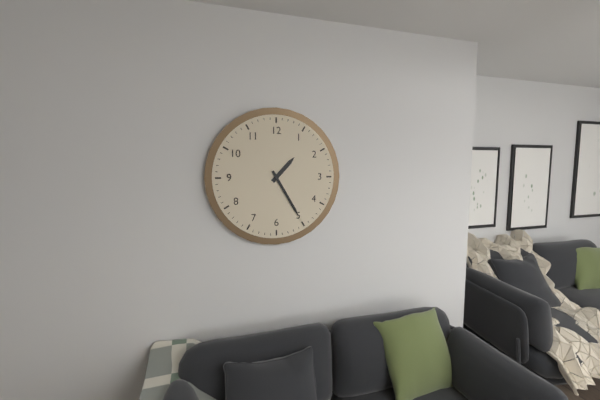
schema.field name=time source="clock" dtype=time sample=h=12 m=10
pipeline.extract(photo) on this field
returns h=1 m=25
